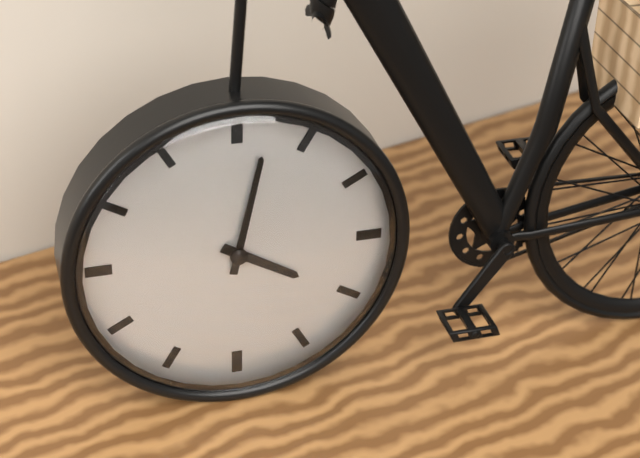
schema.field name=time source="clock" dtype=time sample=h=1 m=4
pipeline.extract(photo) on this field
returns h=4 m=2
